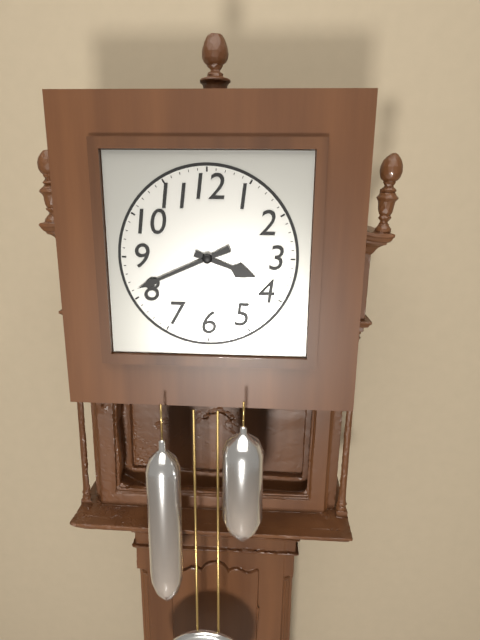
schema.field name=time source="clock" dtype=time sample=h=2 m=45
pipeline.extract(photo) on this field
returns h=3 m=41
